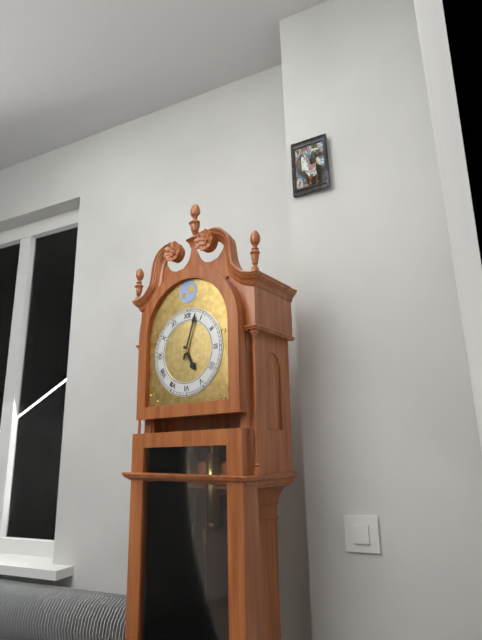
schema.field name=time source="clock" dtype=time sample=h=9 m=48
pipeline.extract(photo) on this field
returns h=5 m=3
